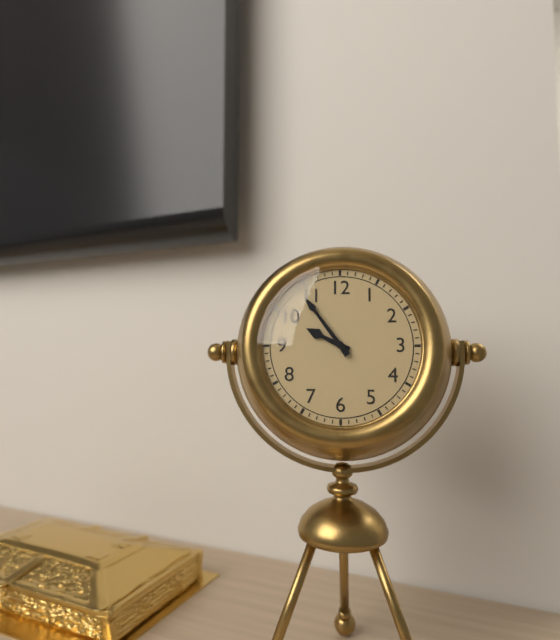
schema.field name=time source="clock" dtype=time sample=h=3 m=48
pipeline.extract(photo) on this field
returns h=9 m=54
